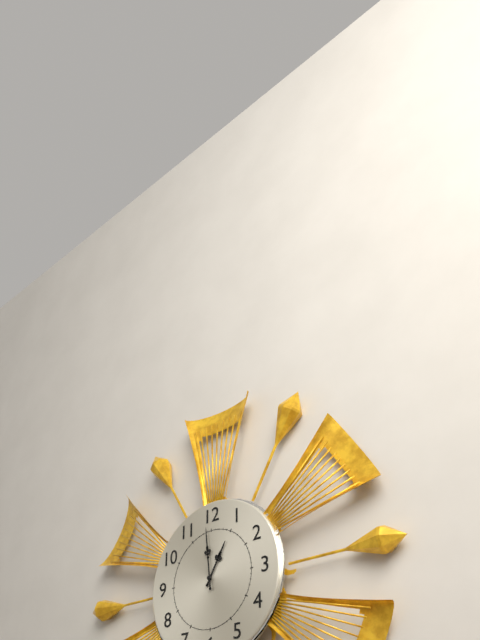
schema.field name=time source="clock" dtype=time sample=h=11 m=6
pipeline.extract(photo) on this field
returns h=12 m=59
